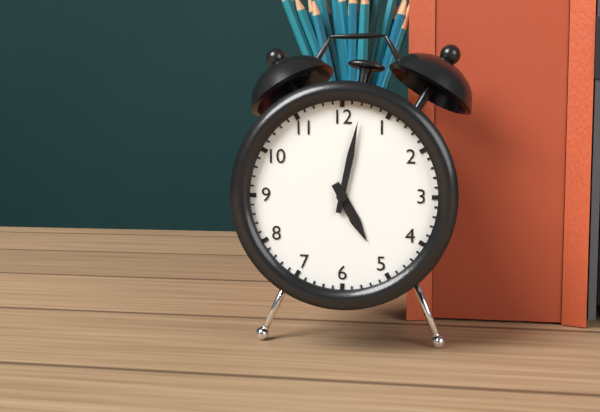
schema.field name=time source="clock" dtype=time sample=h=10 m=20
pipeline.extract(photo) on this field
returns h=5 m=2
